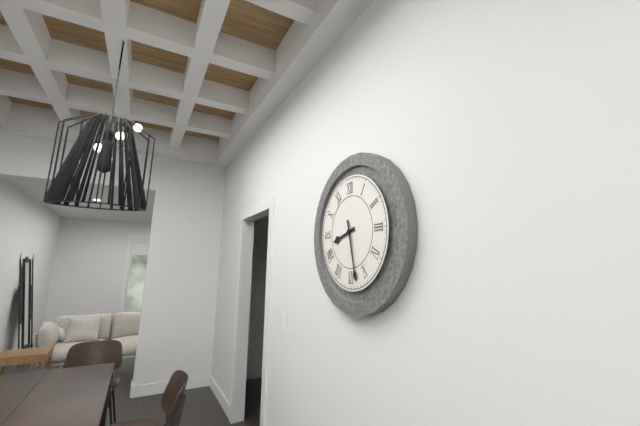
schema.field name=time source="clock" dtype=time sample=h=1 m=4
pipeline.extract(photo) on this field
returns h=8 m=28
